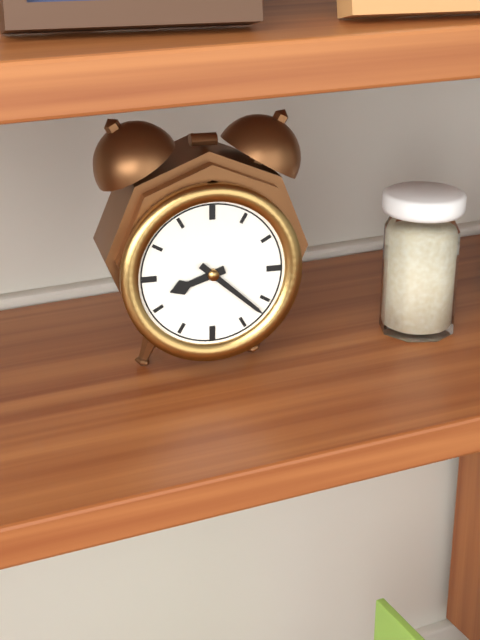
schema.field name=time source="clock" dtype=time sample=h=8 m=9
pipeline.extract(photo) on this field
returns h=8 m=22
